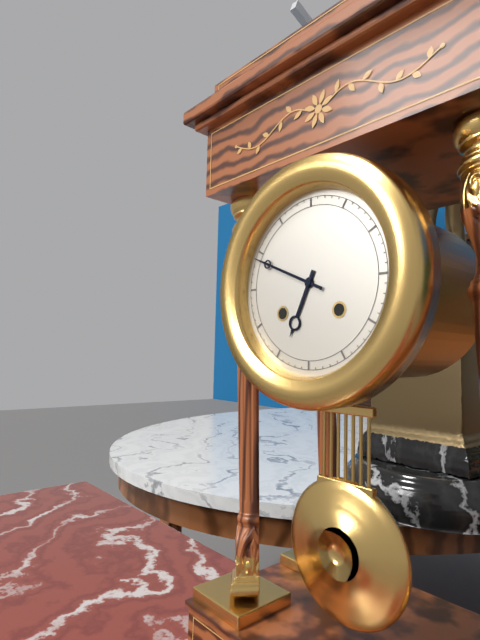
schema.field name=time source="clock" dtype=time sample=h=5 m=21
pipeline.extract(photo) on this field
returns h=6 m=49
